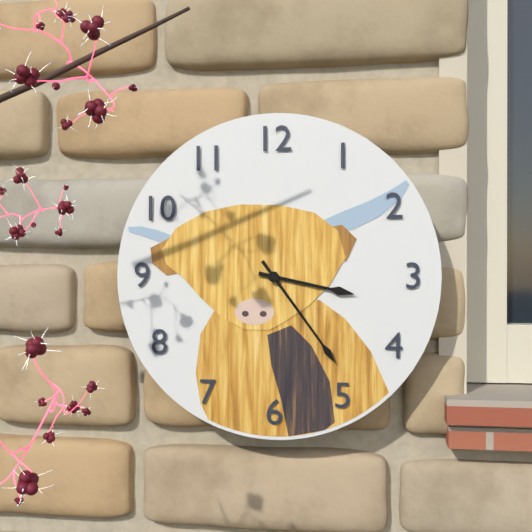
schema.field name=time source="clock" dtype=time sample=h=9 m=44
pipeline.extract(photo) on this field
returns h=3 m=24
